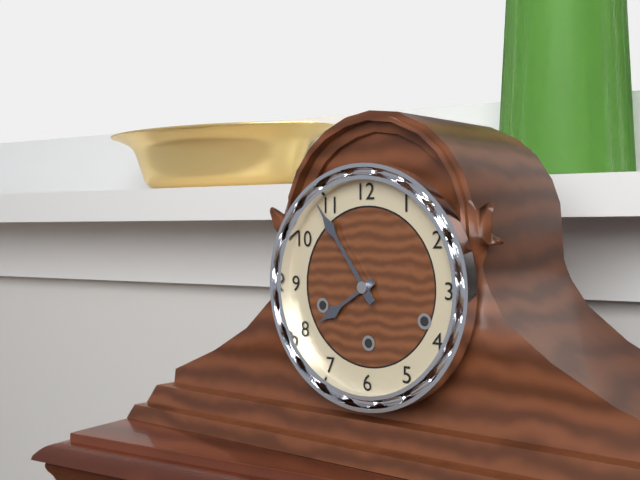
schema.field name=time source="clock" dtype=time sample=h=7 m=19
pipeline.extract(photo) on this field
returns h=7 m=54
